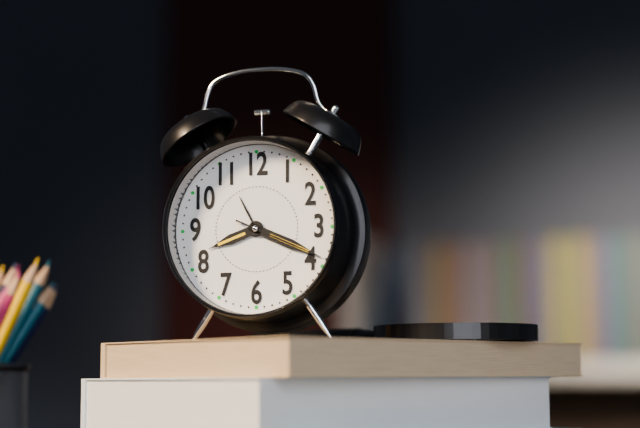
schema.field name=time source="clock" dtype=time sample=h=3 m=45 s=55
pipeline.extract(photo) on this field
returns h=8 m=19 s=19
